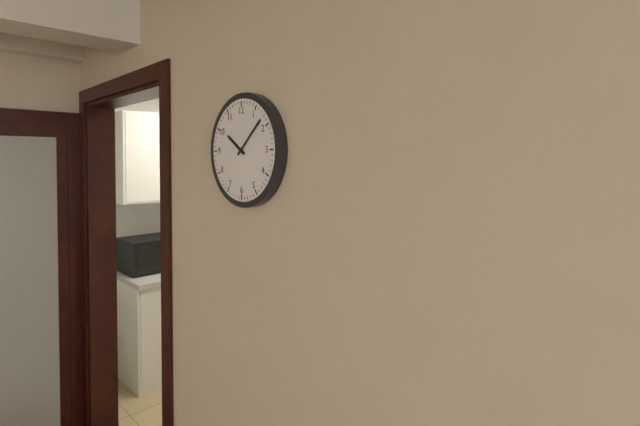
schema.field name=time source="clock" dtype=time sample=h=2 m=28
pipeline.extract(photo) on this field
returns h=10 m=8
